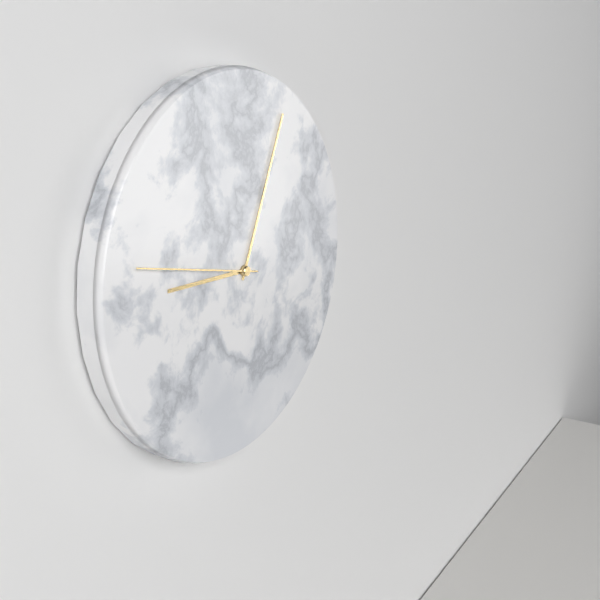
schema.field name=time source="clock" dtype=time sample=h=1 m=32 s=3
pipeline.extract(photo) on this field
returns h=9 m=4 s=47
